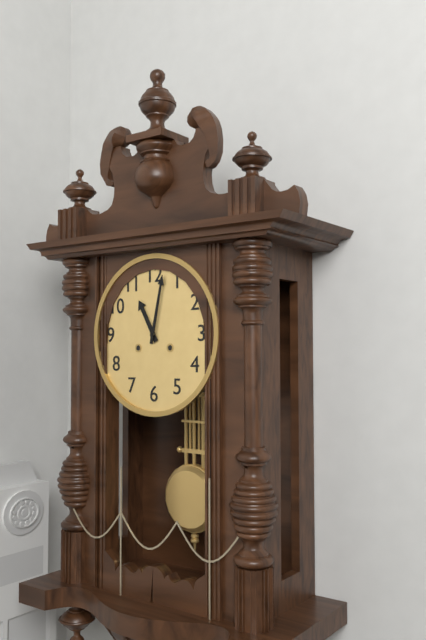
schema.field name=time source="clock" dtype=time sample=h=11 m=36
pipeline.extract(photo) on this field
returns h=11 m=2
